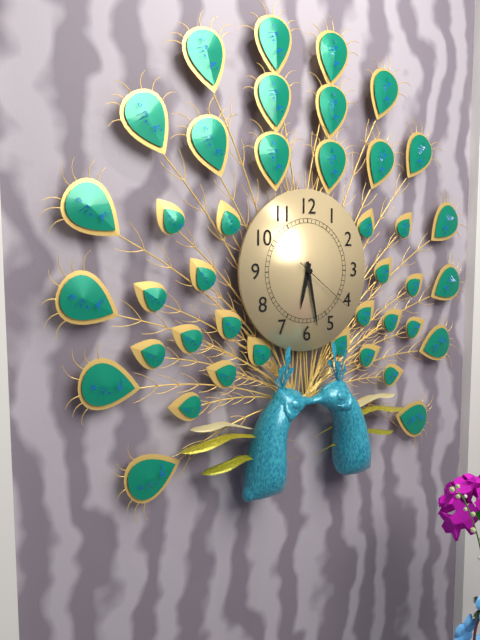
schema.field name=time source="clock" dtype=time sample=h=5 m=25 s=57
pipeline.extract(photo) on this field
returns h=6 m=28 s=21
